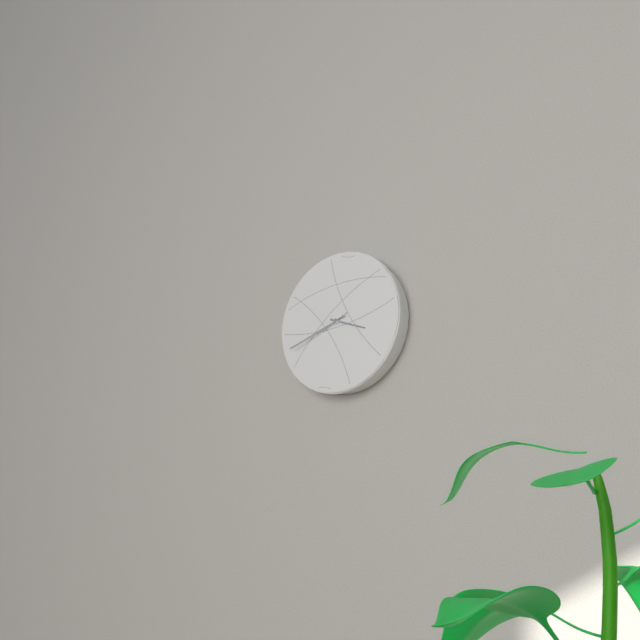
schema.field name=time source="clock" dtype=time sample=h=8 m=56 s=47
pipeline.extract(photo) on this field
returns h=3 m=42 s=41
